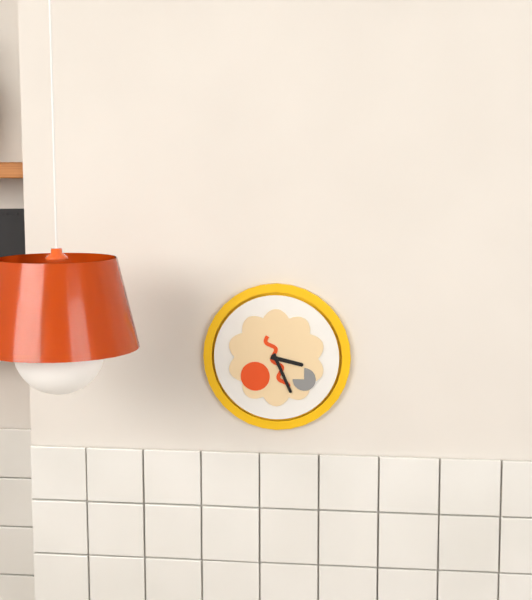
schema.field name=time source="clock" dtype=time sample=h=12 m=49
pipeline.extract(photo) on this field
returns h=3 m=26
